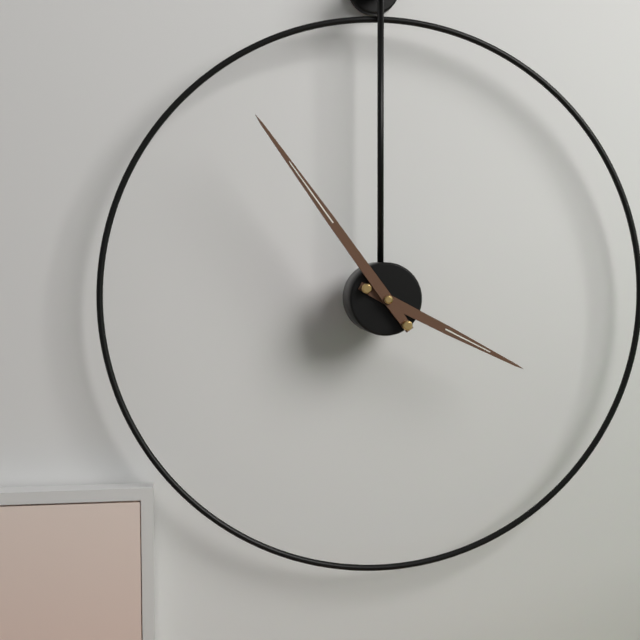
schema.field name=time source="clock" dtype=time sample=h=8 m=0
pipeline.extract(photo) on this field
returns h=3 m=54
